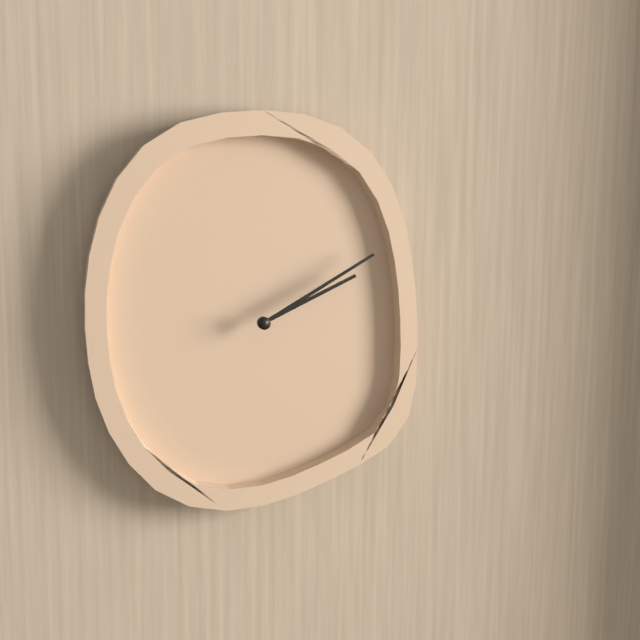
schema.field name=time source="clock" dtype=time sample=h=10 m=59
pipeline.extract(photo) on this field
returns h=2 m=10
